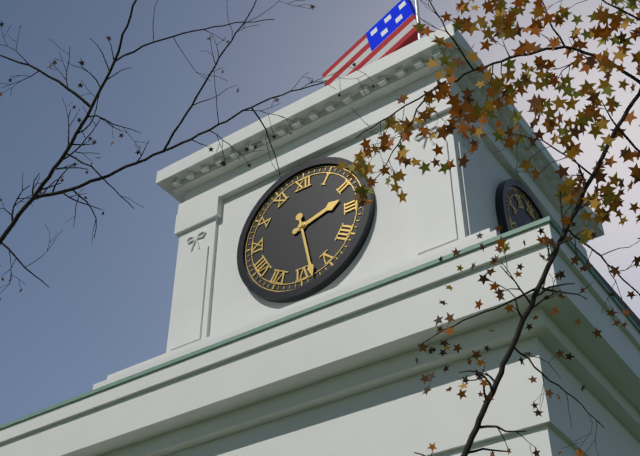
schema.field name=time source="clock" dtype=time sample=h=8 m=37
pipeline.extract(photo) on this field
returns h=2 m=28
